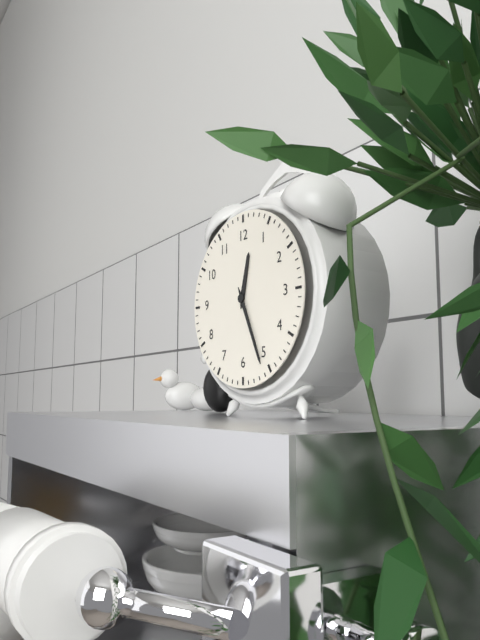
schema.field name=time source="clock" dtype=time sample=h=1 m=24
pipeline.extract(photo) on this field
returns h=12 m=26
